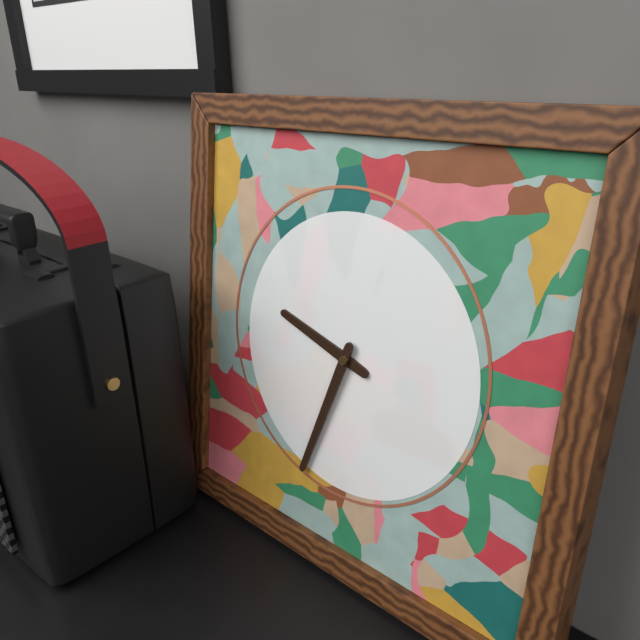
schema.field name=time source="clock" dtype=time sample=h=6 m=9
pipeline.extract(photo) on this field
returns h=9 m=33
